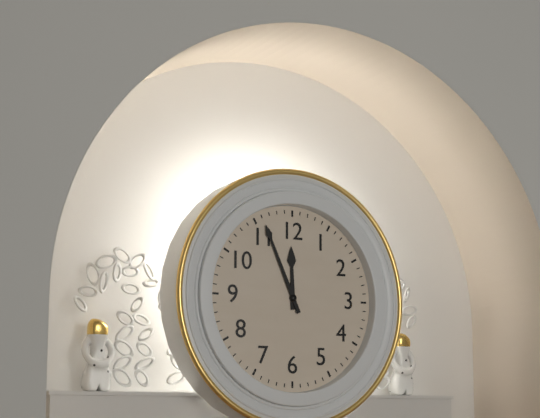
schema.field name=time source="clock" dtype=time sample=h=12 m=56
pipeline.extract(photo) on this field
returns h=11 m=56
